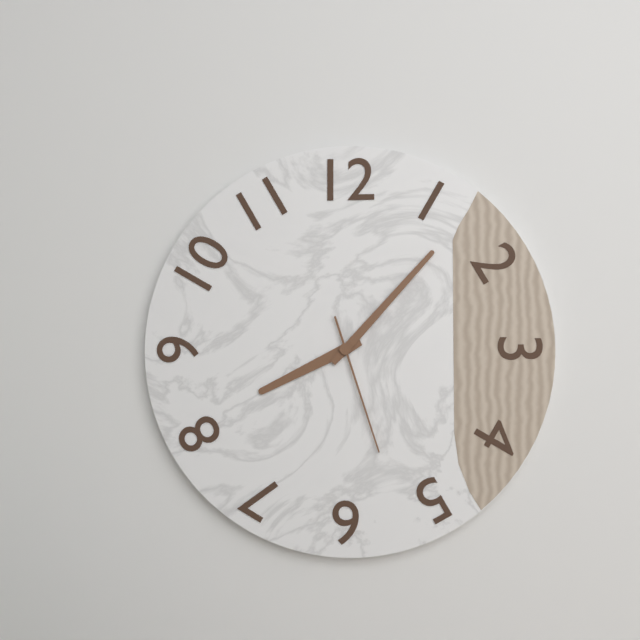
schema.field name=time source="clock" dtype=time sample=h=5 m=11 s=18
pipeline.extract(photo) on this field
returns h=8 m=7 s=27
